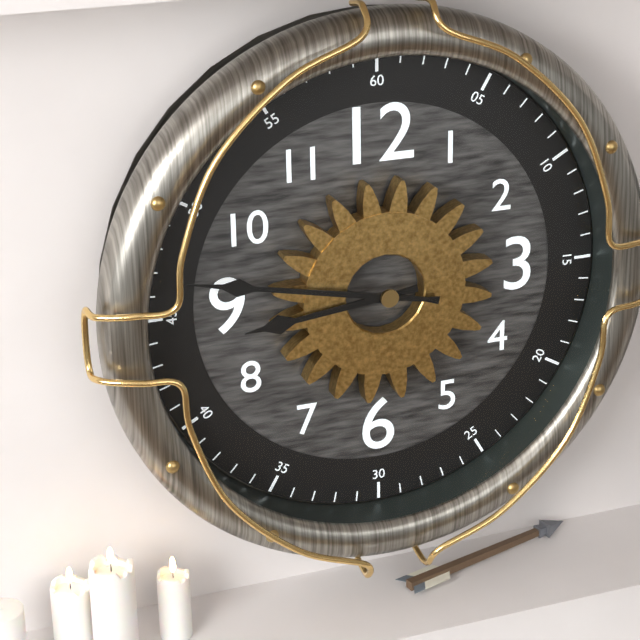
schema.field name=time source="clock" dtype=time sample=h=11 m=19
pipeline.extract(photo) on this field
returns h=8 m=47
